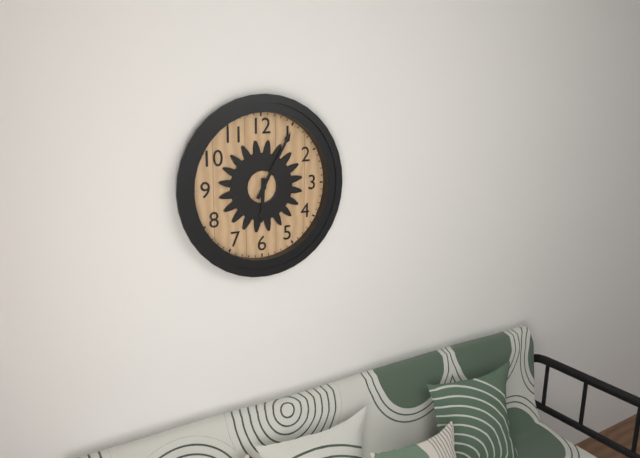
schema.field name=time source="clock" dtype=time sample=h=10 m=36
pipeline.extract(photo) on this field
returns h=6 m=5
